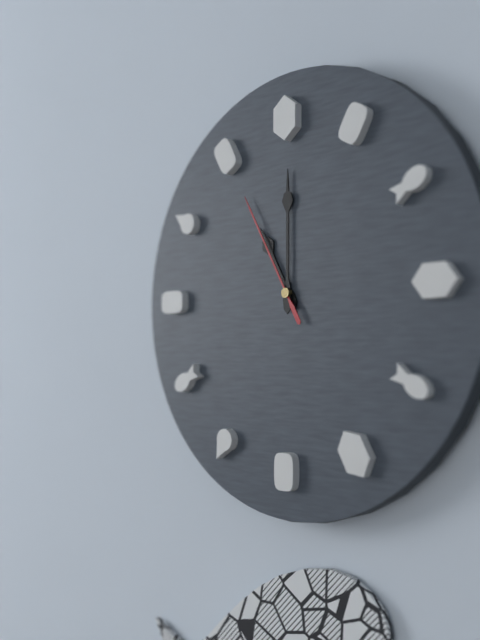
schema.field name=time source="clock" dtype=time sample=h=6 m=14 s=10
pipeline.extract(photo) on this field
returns h=11 m=0 s=55
